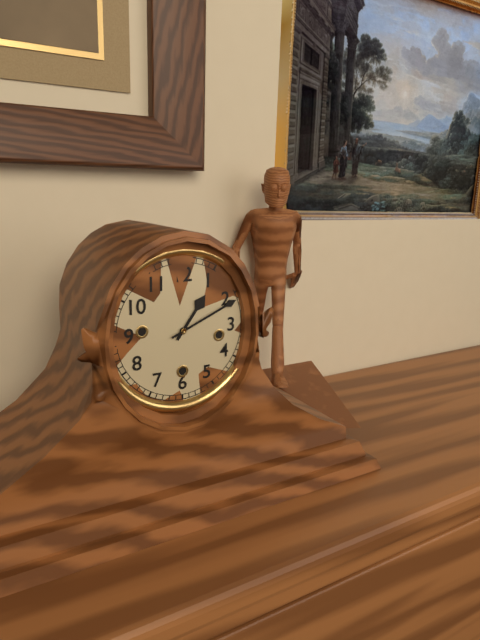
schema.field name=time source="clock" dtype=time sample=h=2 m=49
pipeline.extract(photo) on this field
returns h=1 m=11
